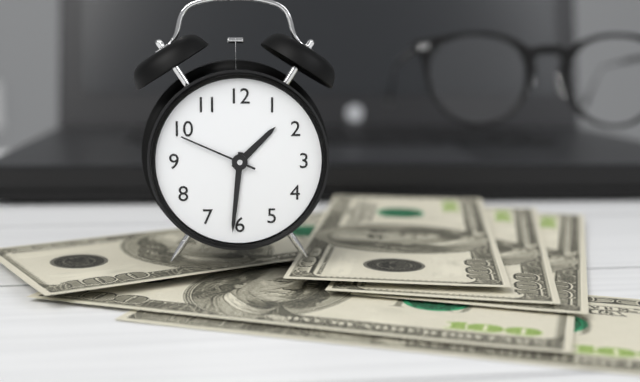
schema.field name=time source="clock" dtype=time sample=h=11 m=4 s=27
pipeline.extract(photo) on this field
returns h=1 m=31 s=49
